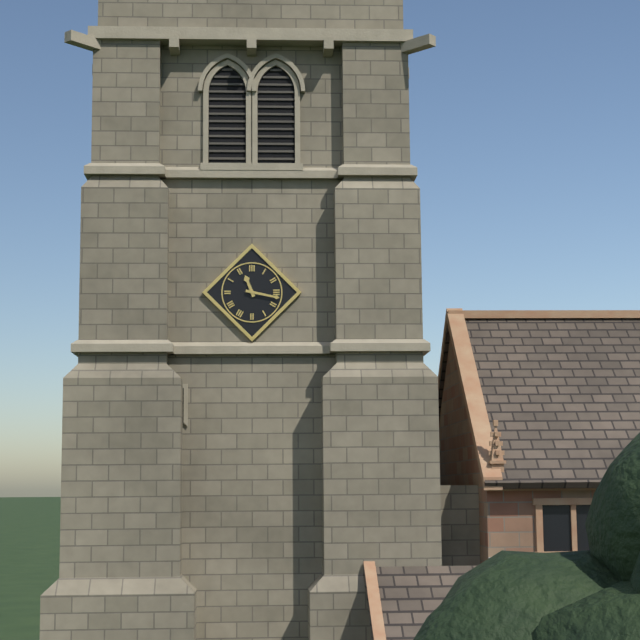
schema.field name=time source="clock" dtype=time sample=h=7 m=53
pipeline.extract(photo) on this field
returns h=11 m=17
